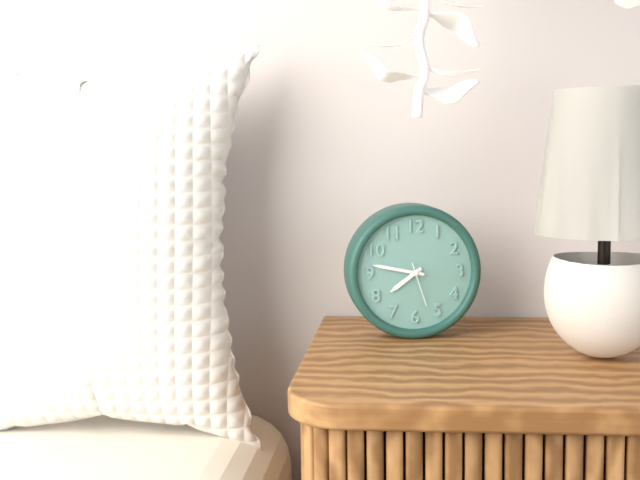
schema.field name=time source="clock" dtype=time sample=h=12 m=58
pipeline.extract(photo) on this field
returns h=7 m=47
